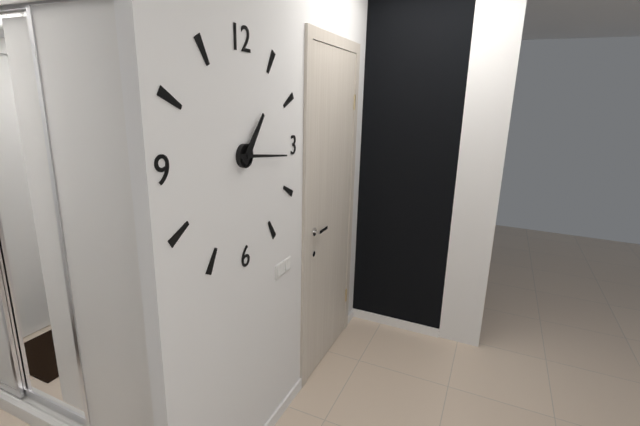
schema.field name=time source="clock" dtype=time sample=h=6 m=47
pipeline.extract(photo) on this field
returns h=1 m=16
